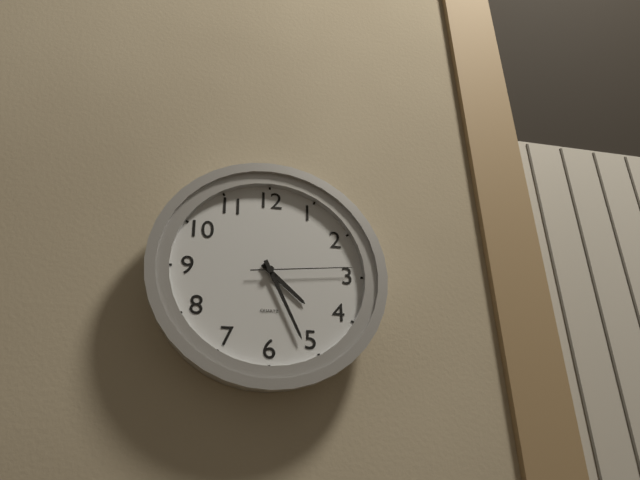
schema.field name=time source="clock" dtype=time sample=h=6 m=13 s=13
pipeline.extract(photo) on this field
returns h=4 m=26 s=14
